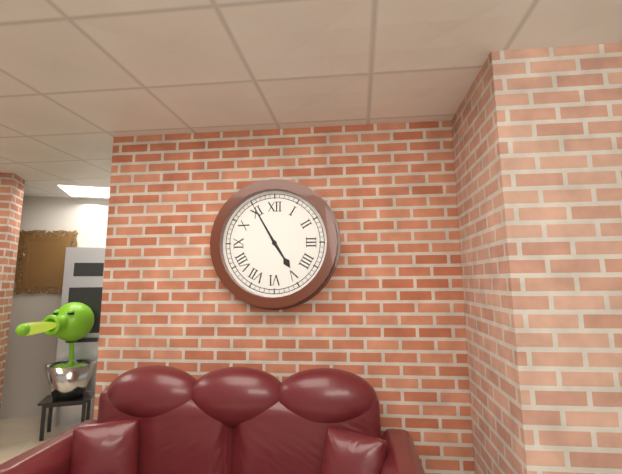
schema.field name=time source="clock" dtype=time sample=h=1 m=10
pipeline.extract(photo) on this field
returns h=4 m=55
